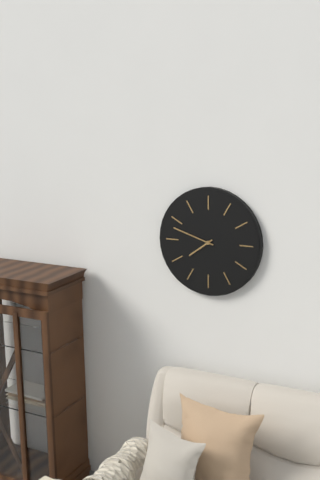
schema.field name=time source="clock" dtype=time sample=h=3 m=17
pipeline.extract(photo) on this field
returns h=7 m=48
